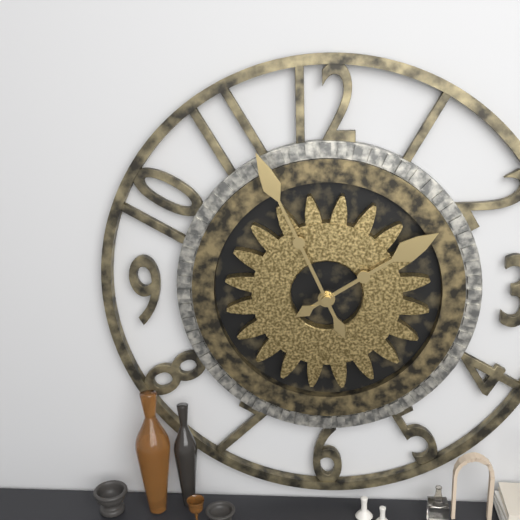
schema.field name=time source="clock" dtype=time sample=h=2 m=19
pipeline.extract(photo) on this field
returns h=1 m=56
